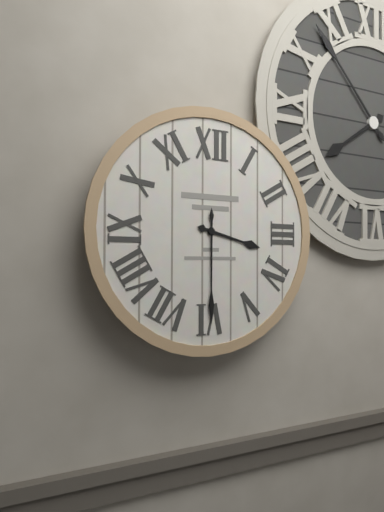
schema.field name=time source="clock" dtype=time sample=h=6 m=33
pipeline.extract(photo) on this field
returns h=3 m=30
